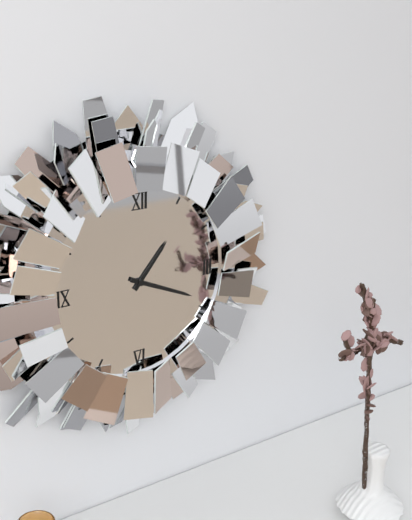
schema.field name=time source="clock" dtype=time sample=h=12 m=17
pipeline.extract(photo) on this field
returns h=1 m=19
